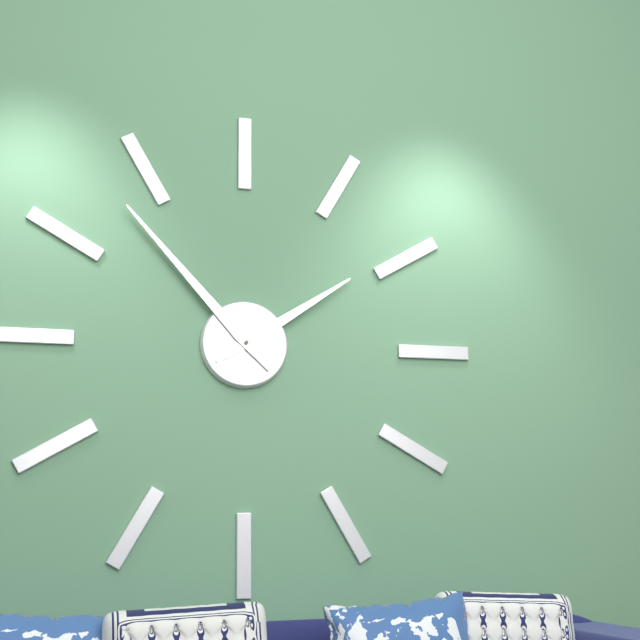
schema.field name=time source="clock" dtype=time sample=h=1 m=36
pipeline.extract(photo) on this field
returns h=1 m=53
